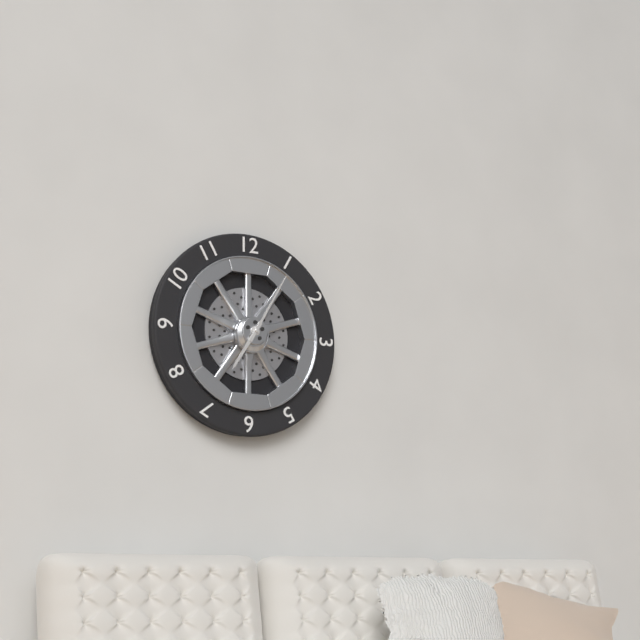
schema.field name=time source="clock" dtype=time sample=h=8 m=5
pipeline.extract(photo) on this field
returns h=7 m=5
